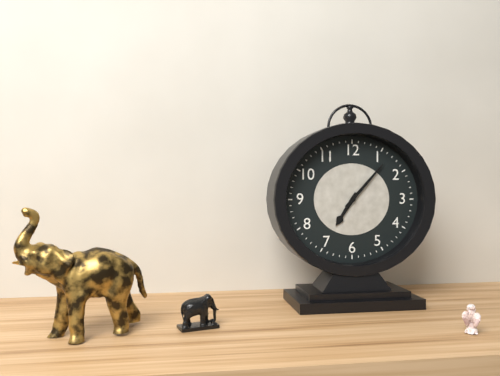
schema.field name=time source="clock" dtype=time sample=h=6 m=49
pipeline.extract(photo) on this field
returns h=7 m=7
